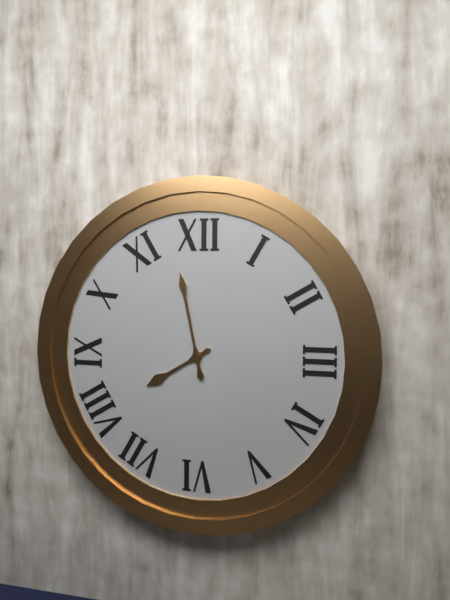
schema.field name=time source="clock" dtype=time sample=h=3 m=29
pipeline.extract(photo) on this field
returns h=7 m=58
